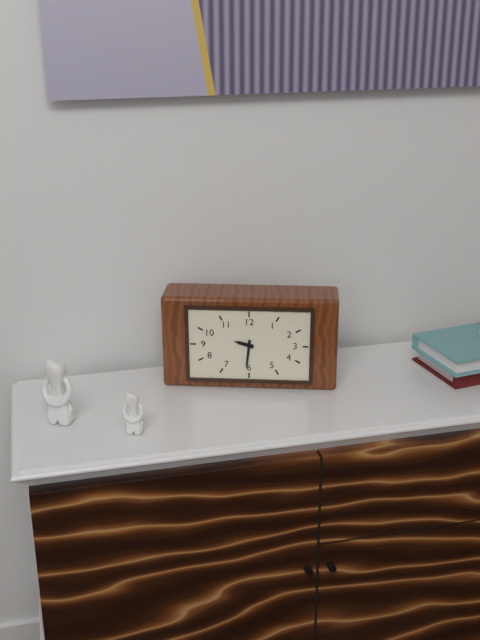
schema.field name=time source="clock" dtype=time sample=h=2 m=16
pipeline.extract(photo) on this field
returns h=9 m=31
